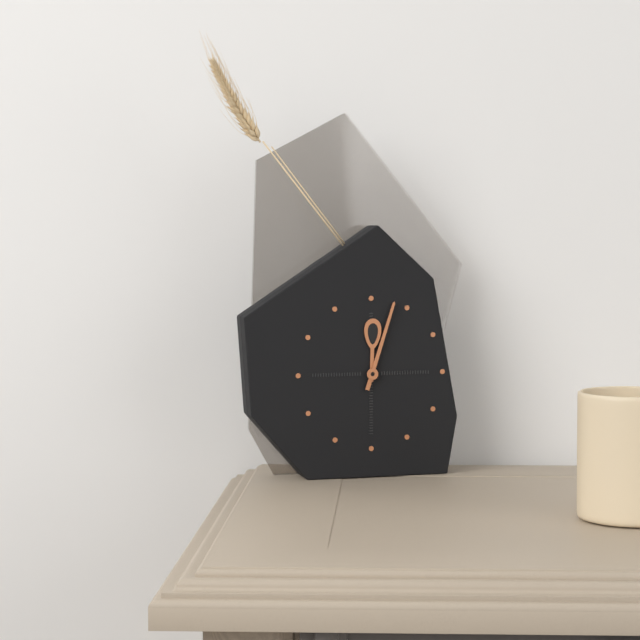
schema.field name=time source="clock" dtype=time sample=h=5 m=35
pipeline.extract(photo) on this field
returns h=12 m=3
